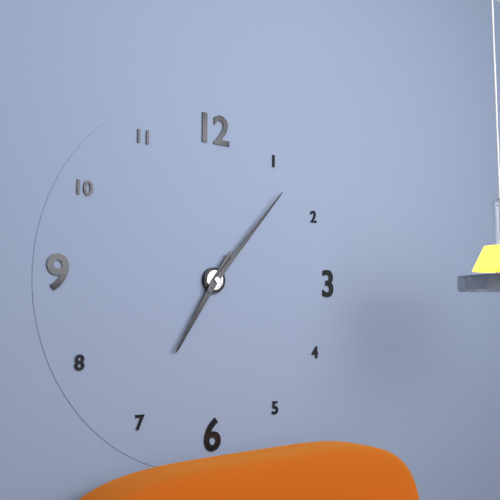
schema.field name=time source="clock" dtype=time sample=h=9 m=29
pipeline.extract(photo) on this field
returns h=7 m=7
